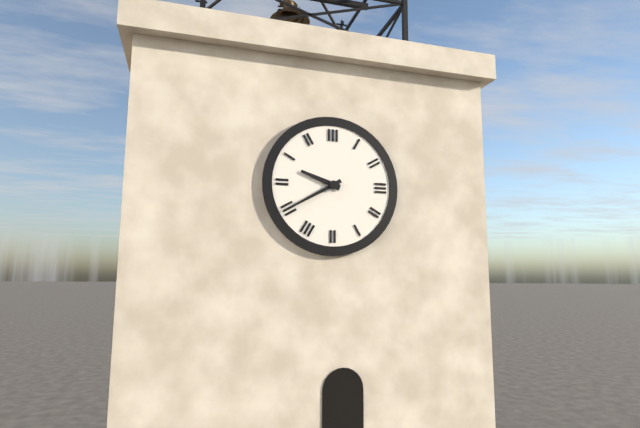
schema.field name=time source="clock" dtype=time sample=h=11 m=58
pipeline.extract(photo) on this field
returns h=9 m=40
